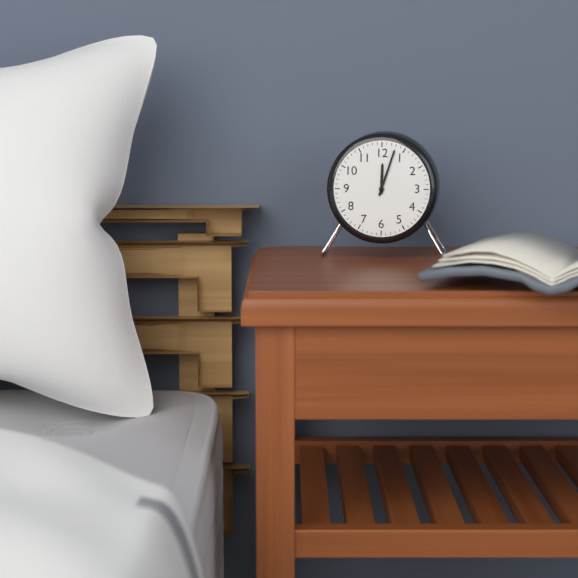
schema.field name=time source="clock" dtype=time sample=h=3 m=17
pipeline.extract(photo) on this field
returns h=12 m=3
